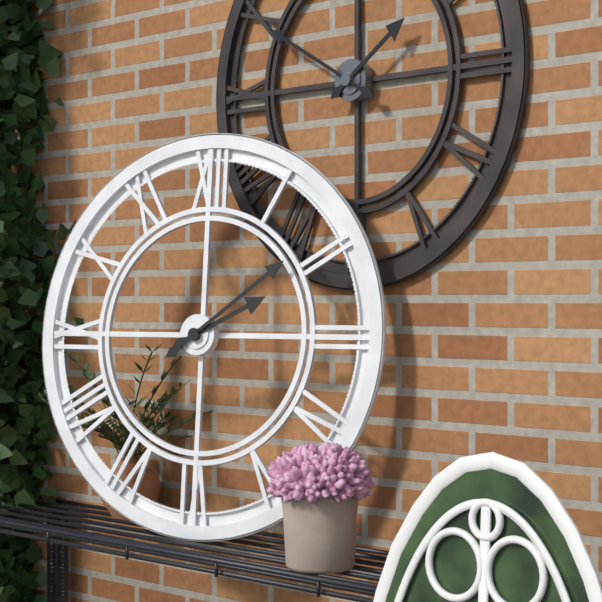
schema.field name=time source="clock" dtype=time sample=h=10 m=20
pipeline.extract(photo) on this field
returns h=2 m=9
